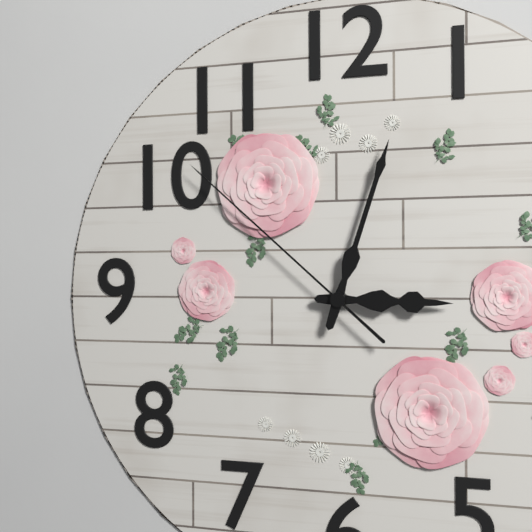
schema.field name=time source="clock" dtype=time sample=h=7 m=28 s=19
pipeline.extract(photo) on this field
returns h=3 m=3 s=52
